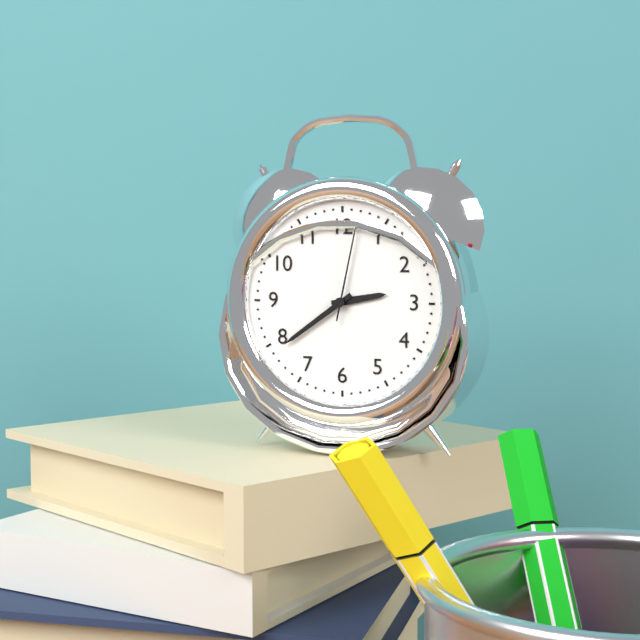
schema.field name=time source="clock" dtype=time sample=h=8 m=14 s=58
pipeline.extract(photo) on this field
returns h=2 m=39 s=2
